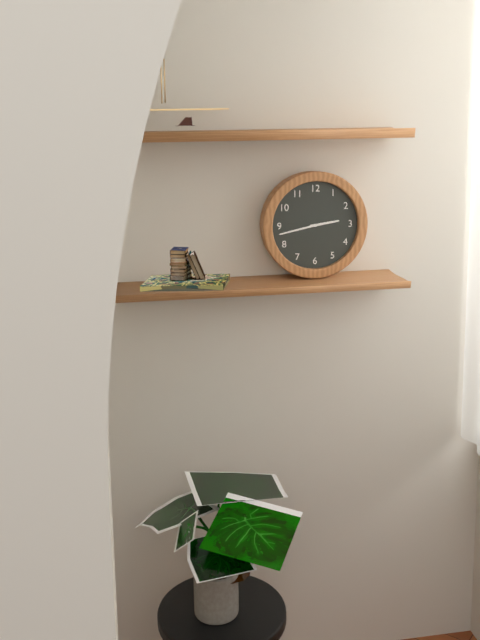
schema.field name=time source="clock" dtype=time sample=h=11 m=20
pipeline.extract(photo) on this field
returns h=2 m=43
